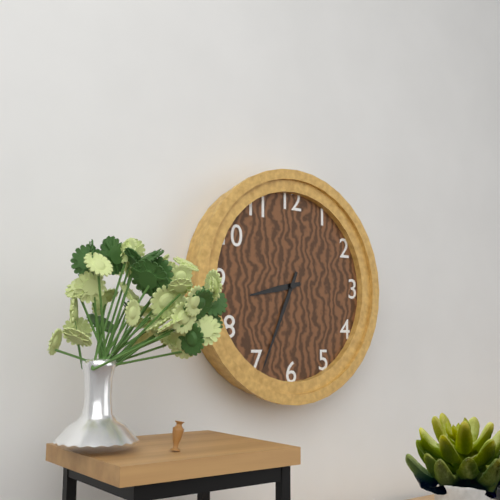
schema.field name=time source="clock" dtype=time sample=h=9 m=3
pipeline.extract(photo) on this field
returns h=8 m=34
